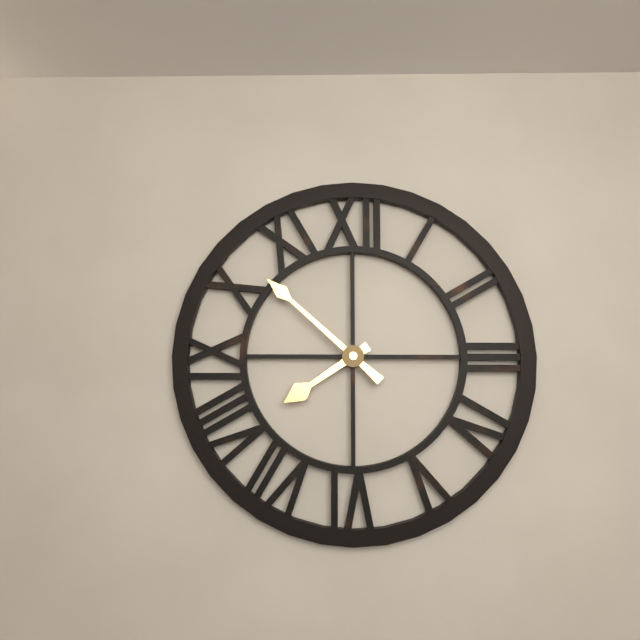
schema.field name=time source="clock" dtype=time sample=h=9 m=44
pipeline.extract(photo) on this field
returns h=7 m=52
